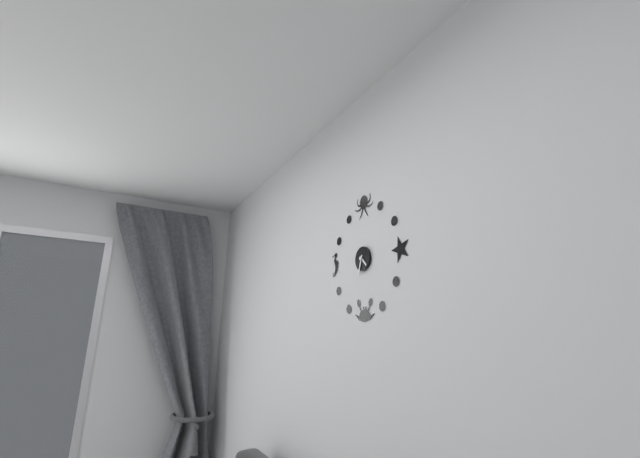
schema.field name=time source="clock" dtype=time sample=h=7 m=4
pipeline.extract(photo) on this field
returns h=4 m=33
